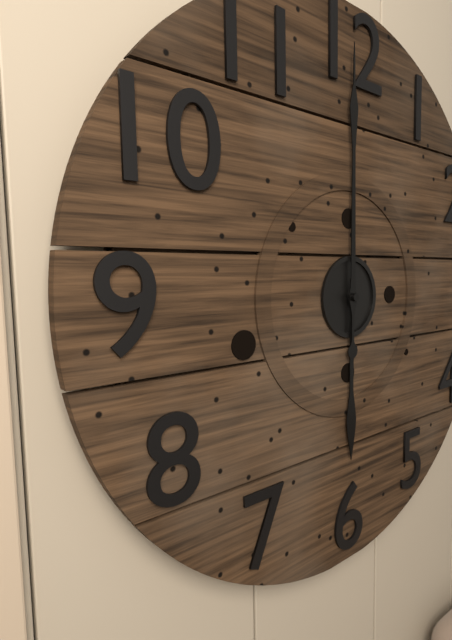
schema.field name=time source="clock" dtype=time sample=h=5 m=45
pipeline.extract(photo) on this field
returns h=6 m=0
